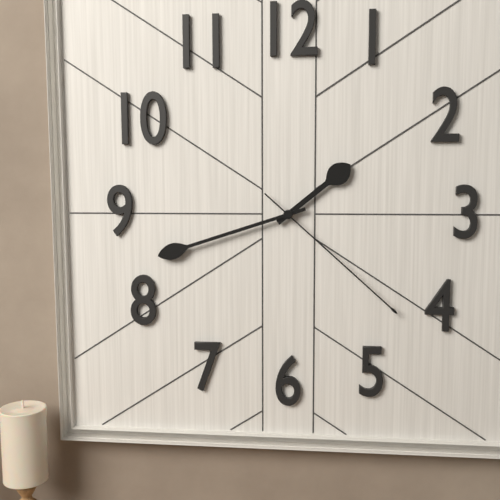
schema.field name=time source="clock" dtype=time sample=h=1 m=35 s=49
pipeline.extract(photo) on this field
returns h=1 m=42 s=22
